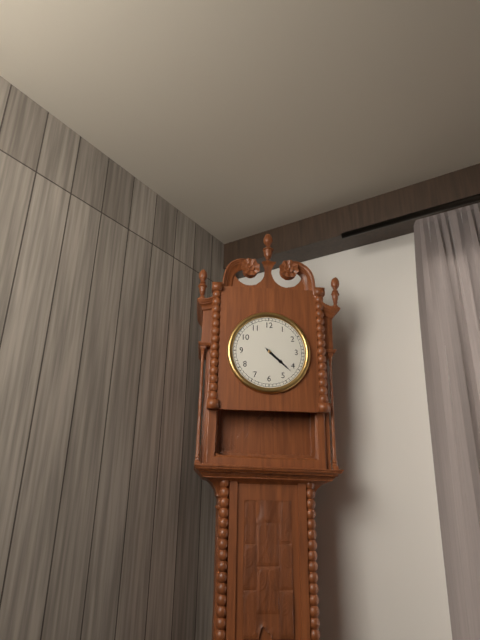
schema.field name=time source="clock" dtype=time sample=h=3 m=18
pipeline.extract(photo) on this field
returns h=4 m=22
